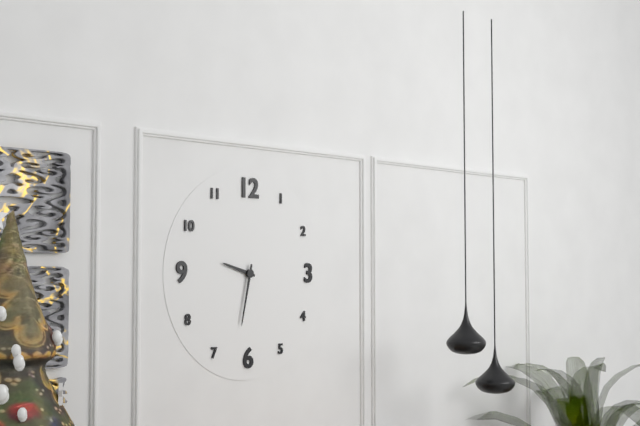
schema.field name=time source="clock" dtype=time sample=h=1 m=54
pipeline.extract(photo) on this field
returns h=9 m=32
